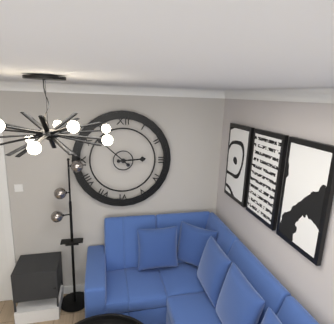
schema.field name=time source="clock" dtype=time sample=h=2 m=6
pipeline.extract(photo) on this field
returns h=2 m=52
